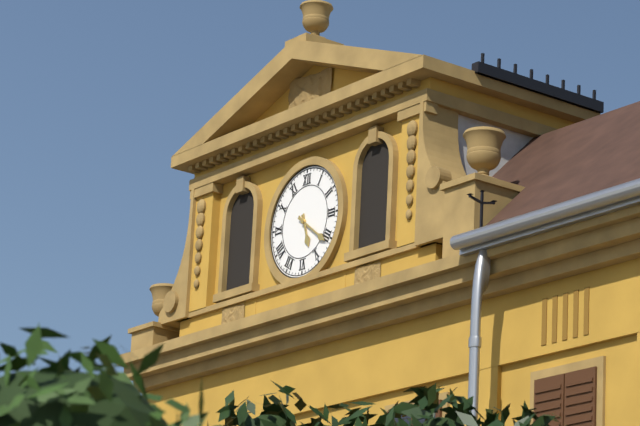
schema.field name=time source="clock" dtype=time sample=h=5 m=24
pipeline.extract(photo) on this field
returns h=5 m=21
